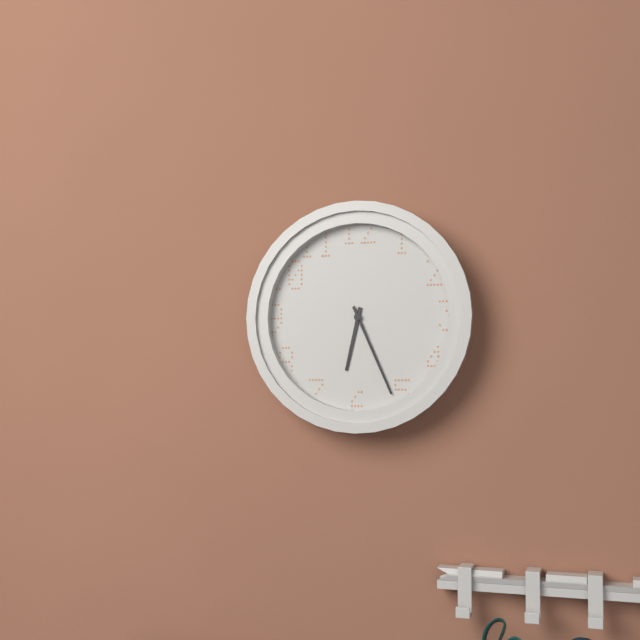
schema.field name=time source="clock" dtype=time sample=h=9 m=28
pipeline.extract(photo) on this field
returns h=6 m=26
